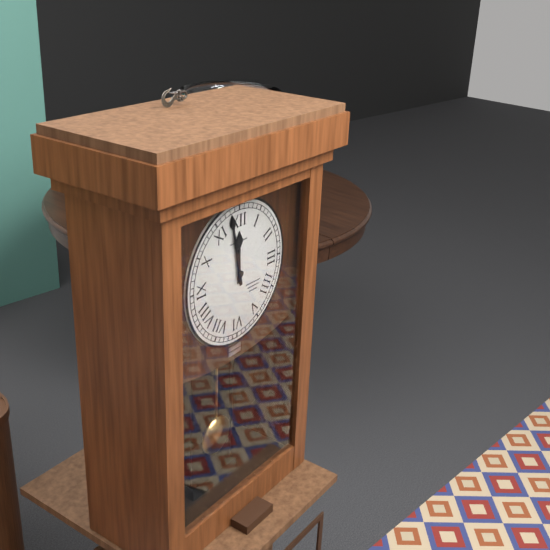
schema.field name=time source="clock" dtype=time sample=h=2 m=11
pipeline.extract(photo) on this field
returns h=11 m=58
